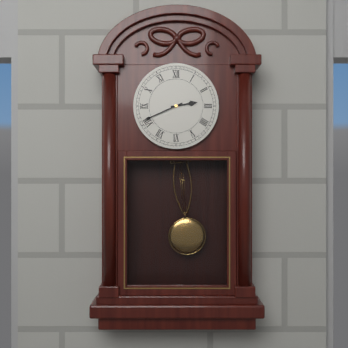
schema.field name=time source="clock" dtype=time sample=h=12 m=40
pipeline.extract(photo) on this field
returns h=2 m=41
